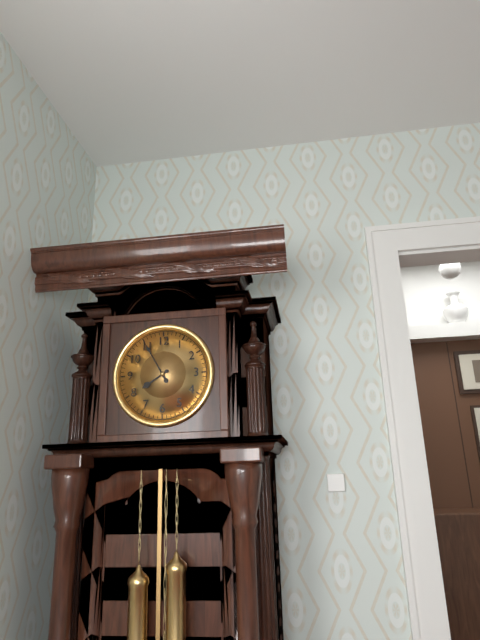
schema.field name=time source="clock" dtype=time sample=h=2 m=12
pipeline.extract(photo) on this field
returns h=7 m=55
